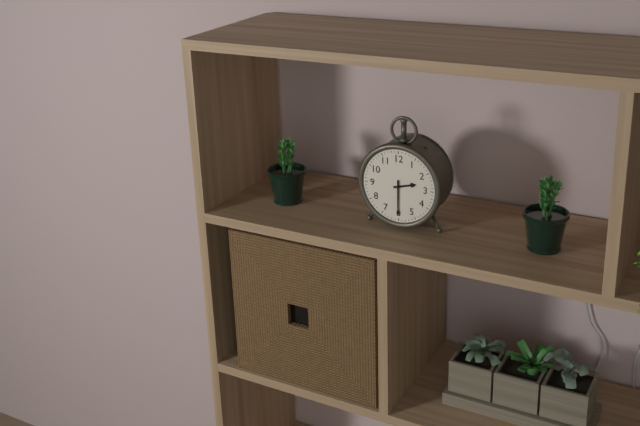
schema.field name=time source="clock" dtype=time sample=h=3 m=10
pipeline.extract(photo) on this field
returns h=2 m=30
